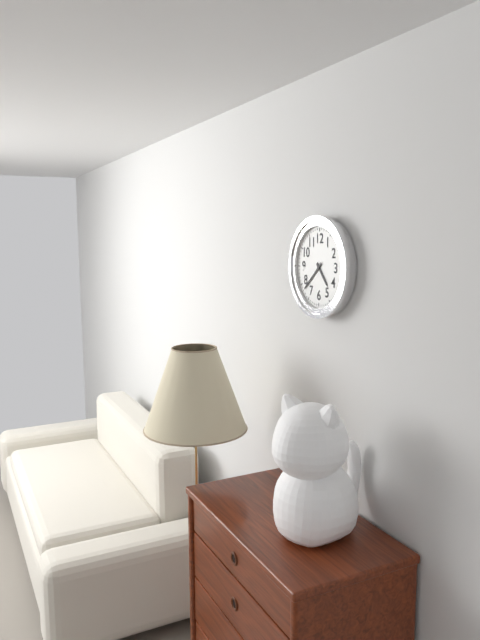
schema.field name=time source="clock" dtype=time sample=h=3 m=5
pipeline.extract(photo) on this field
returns h=4 m=38
